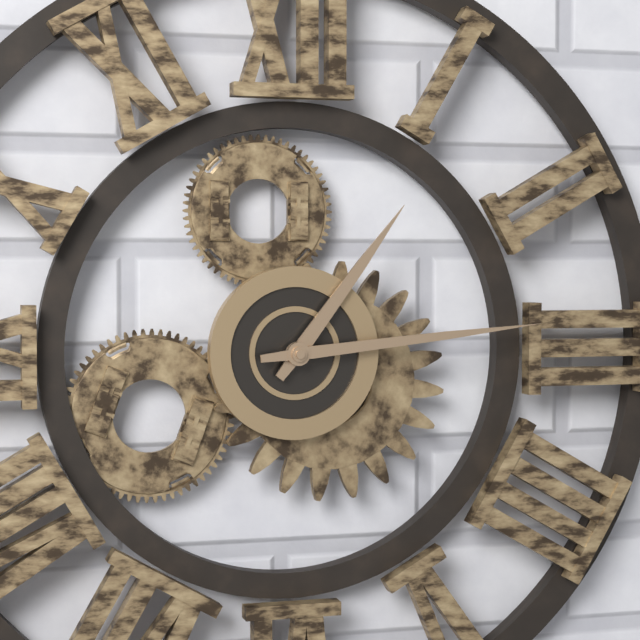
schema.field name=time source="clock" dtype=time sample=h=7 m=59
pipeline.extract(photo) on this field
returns h=1 m=14
